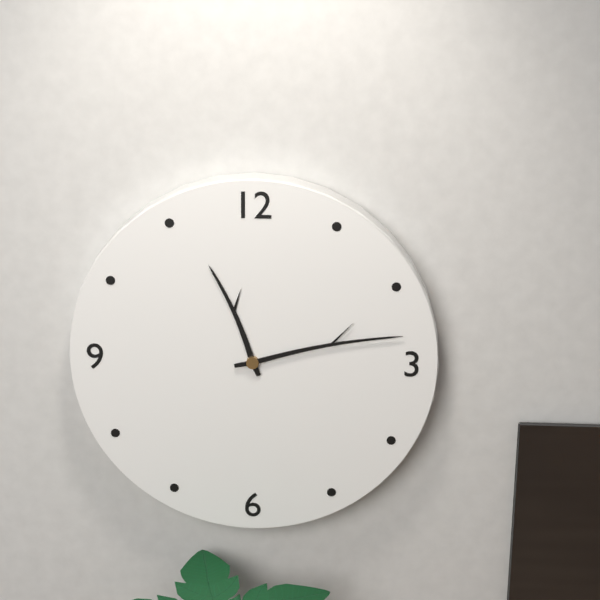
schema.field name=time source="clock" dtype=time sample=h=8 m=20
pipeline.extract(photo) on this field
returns h=11 m=13
